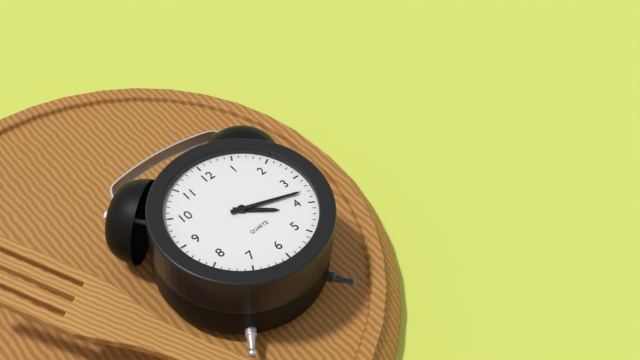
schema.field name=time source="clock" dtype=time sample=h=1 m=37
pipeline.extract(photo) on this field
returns h=4 m=18
